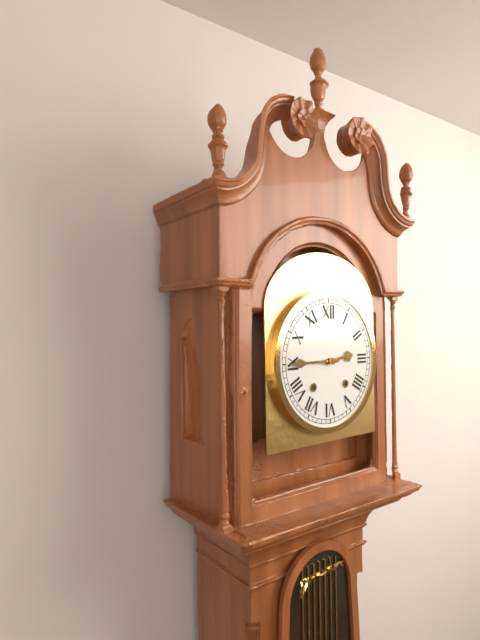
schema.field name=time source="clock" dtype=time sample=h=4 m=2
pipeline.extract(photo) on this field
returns h=2 m=45
